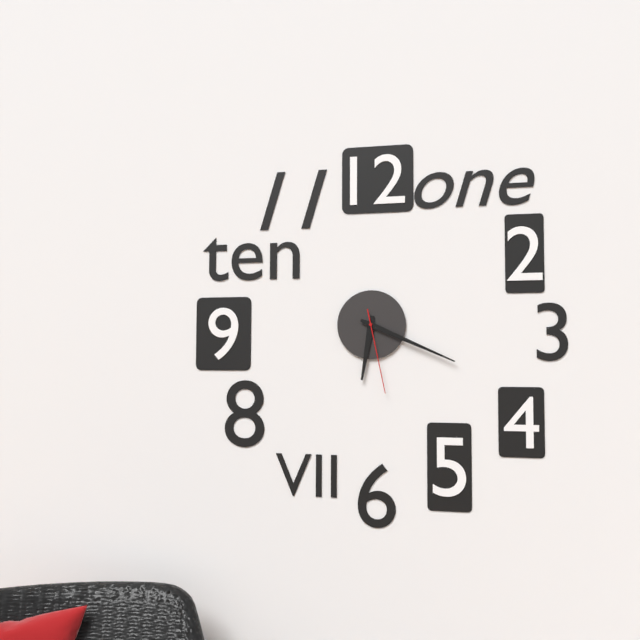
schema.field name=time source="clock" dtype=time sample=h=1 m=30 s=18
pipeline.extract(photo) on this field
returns h=6 m=19 s=28
